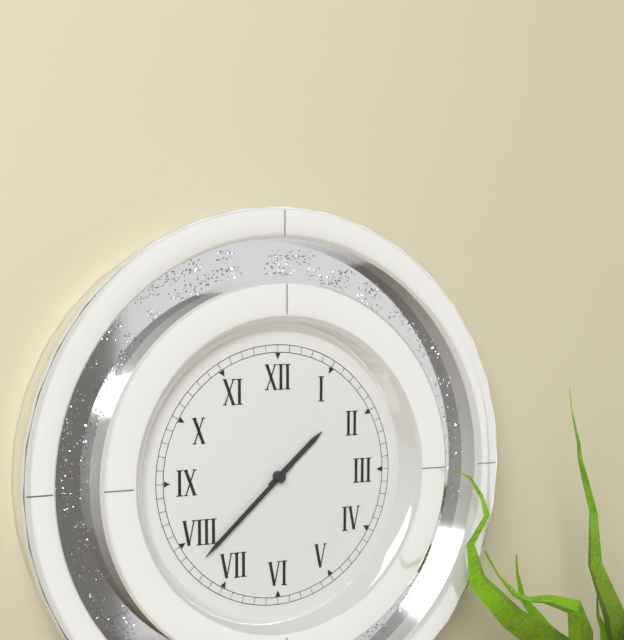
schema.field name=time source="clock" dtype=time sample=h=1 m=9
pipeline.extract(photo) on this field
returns h=1 m=38
